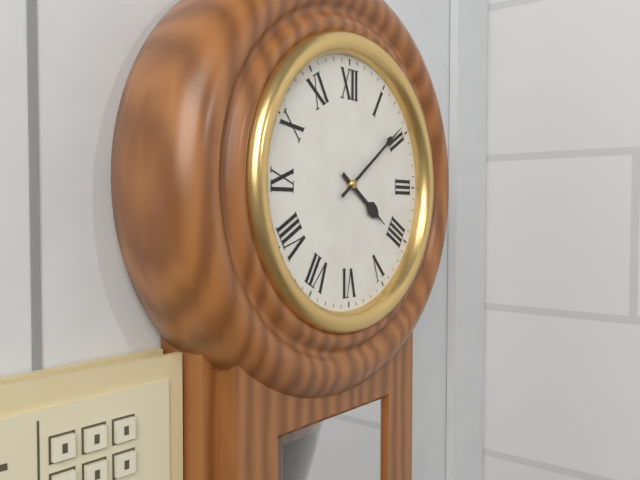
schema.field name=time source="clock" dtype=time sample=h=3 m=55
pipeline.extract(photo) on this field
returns h=4 m=9
